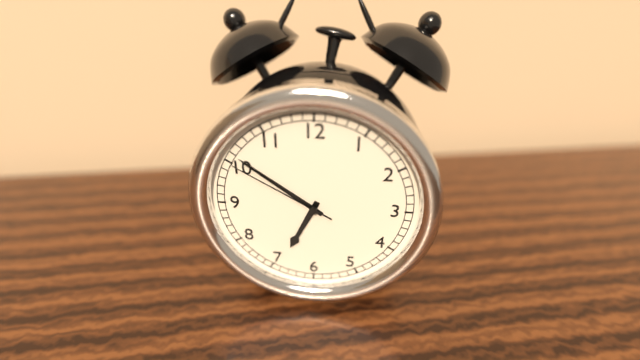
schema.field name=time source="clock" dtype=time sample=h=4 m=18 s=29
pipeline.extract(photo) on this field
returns h=6 m=51 s=50
